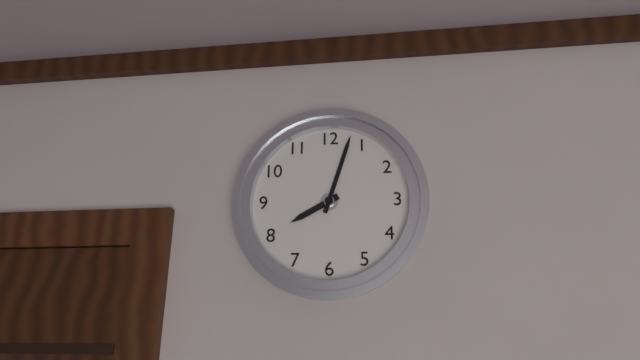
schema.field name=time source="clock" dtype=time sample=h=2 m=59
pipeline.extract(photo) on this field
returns h=8 m=3
